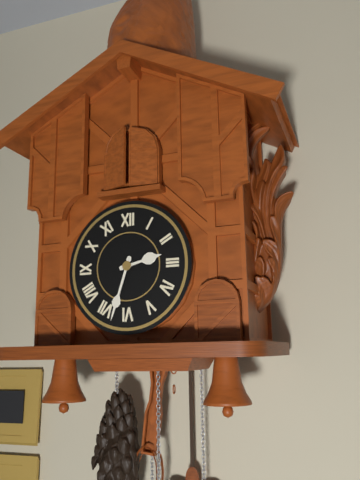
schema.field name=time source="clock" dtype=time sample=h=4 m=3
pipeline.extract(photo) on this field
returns h=2 m=33
